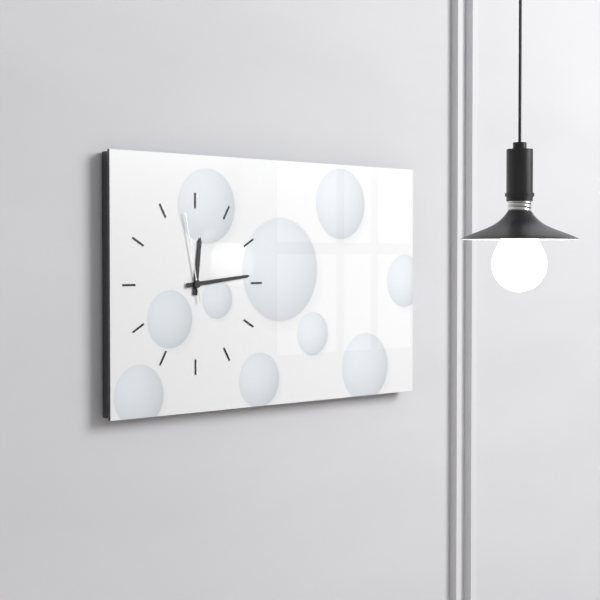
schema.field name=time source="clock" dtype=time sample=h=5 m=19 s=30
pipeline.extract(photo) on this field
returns h=12 m=14 s=58
